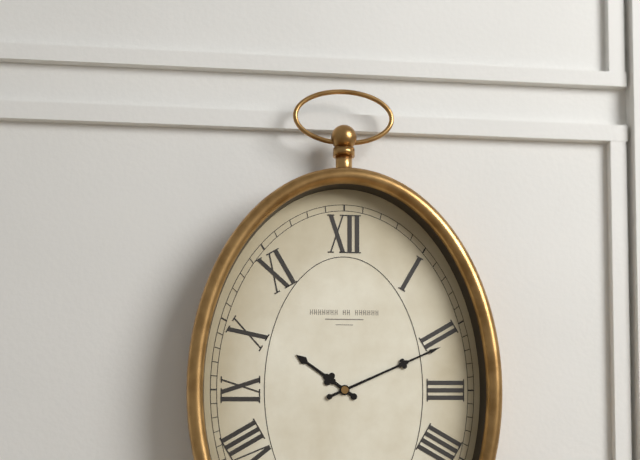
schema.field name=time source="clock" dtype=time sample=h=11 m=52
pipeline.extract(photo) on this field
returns h=10 m=11
